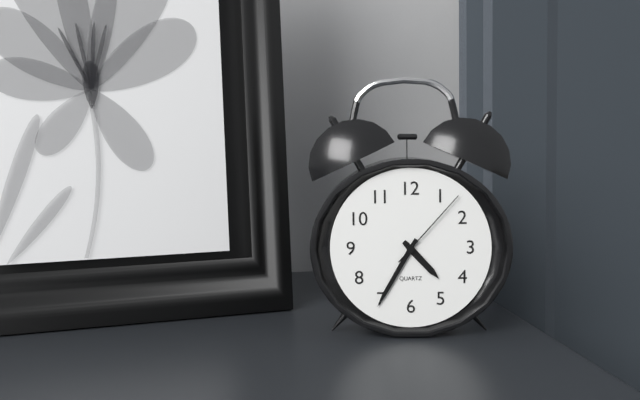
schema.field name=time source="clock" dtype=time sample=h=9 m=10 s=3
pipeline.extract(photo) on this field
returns h=4 m=35 s=7
